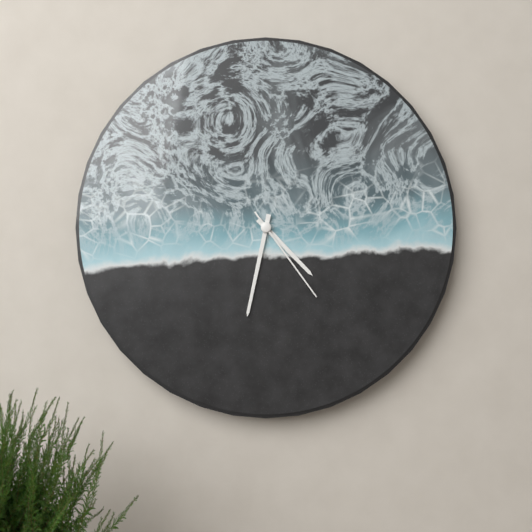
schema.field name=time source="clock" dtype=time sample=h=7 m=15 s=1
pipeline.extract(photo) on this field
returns h=4 m=32 s=24
